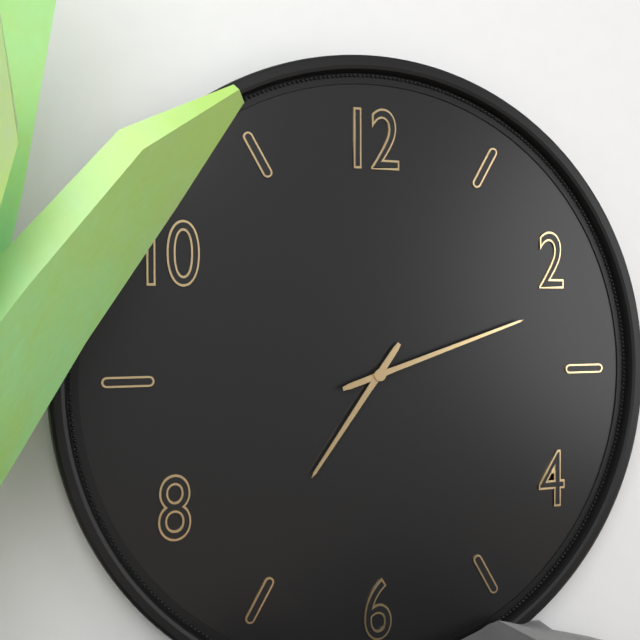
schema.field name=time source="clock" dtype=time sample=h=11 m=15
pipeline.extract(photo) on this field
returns h=7 m=12
